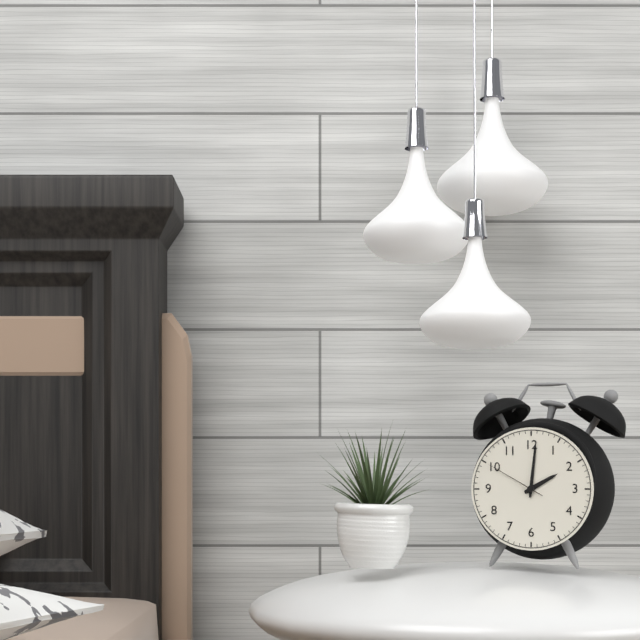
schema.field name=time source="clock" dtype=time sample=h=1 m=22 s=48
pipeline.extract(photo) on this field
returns h=2 m=1 s=50
